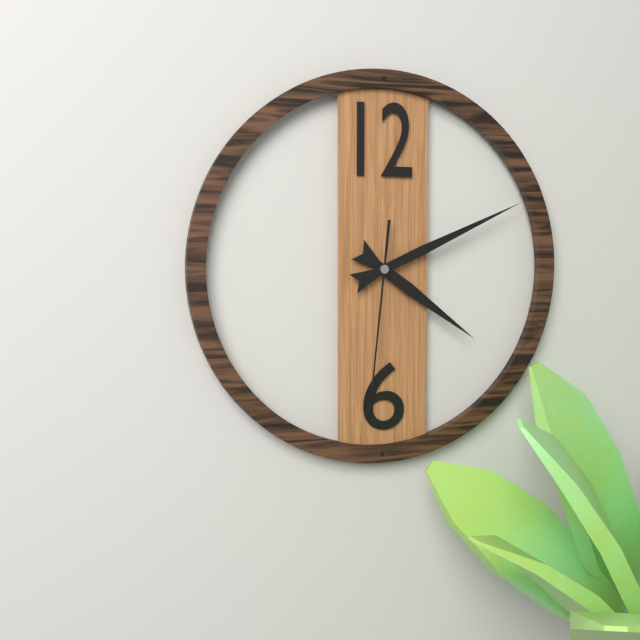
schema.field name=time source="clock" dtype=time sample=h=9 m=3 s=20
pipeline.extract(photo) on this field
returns h=4 m=11 s=31
